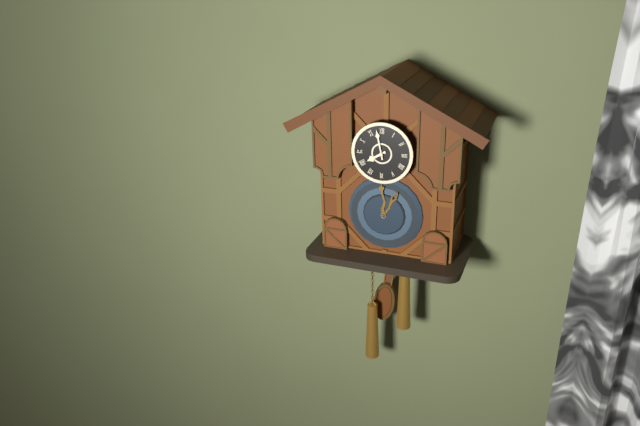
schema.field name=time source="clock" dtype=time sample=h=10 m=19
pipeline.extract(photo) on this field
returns h=7 m=58
